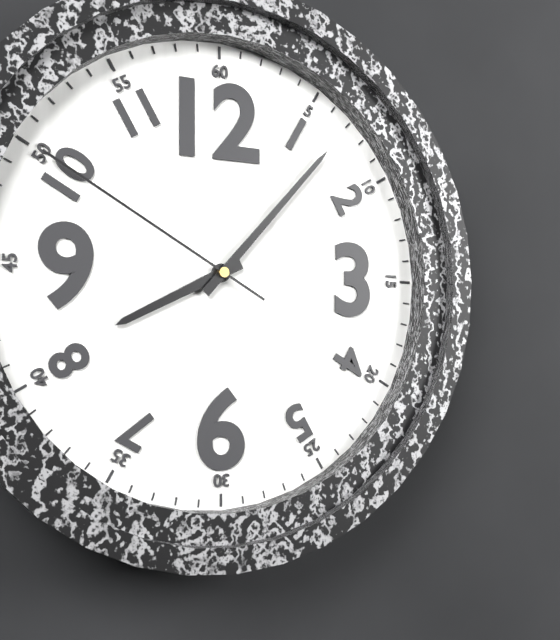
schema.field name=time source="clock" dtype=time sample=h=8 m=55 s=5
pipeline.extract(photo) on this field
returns h=8 m=7 s=50
